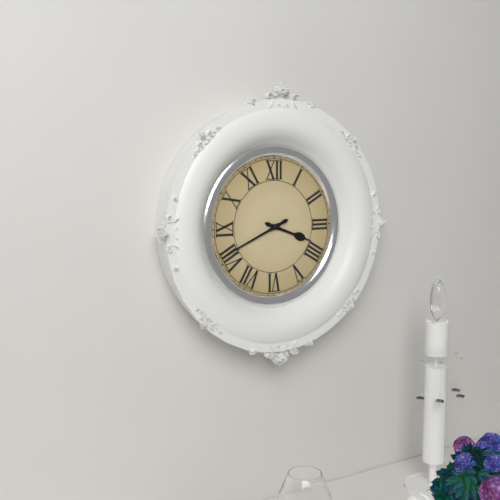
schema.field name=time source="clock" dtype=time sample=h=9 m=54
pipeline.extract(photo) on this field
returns h=3 m=41
